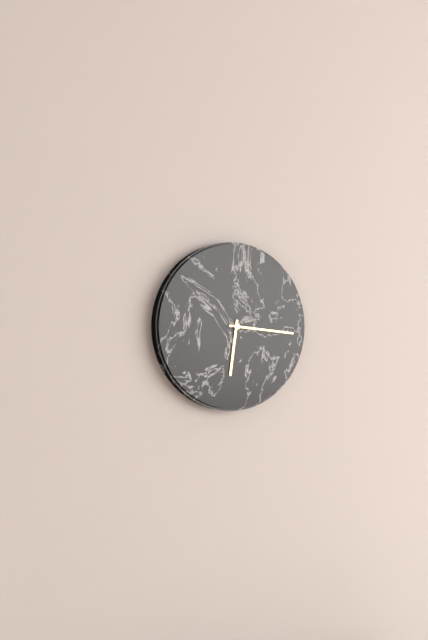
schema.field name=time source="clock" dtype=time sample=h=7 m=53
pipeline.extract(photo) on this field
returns h=6 m=16
